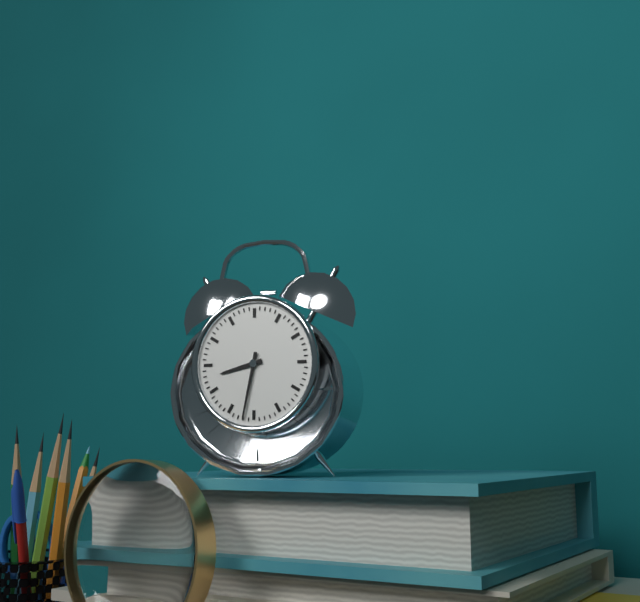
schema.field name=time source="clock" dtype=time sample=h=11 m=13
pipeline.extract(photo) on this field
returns h=8 m=32
